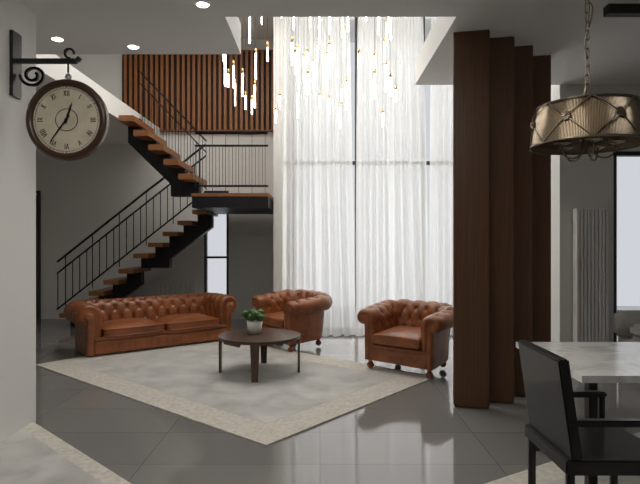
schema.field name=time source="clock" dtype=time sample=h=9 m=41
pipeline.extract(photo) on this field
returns h=12 m=36
